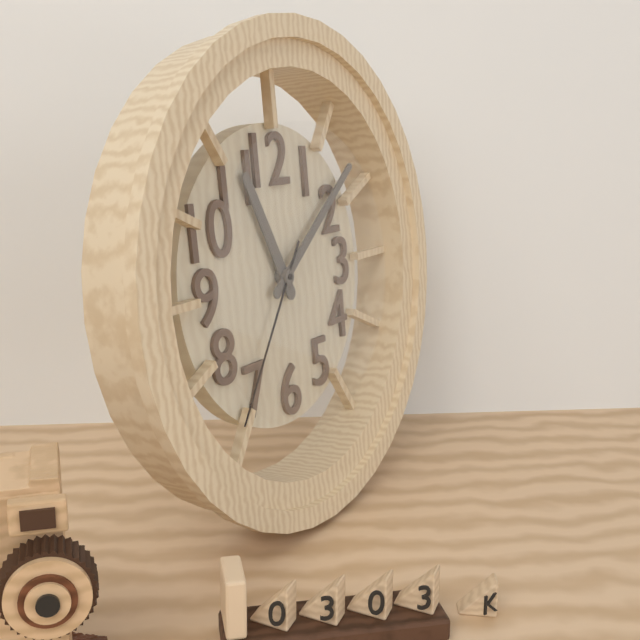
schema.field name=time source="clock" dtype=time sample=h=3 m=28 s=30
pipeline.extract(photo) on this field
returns h=11 m=9 s=36
